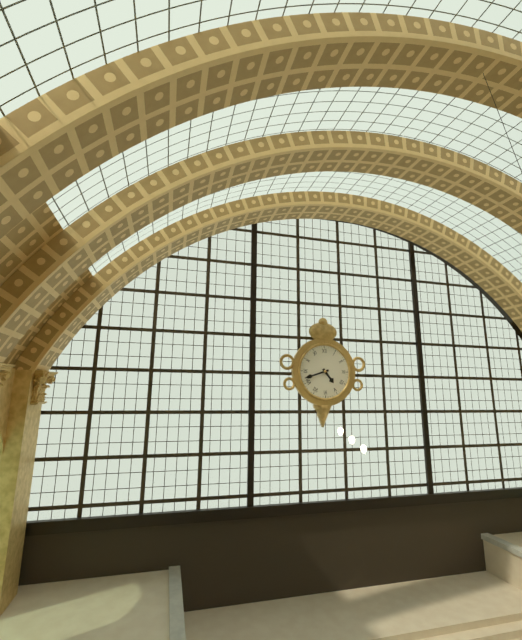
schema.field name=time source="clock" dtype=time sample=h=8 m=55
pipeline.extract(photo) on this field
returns h=4 m=42
